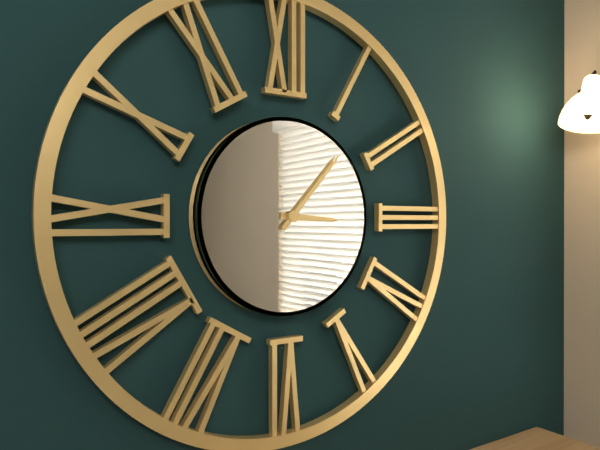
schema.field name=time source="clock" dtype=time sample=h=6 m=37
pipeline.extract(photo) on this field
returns h=3 m=7
